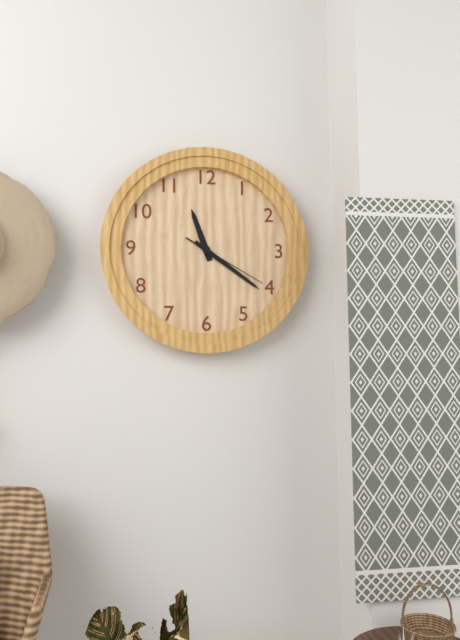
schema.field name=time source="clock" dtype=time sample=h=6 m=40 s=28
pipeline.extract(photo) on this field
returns h=11 m=21 s=20
